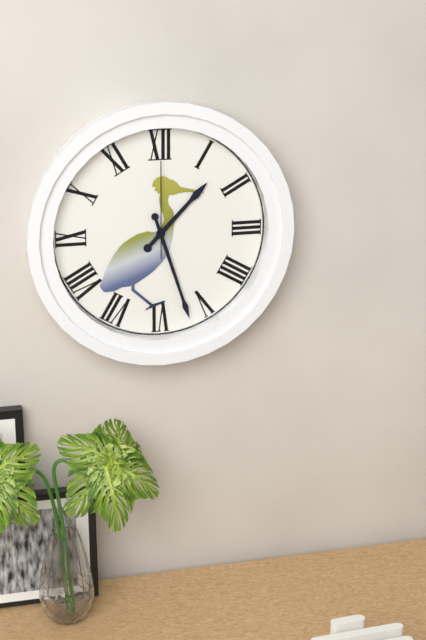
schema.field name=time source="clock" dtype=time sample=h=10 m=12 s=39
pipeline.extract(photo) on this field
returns h=1 m=27 s=0
